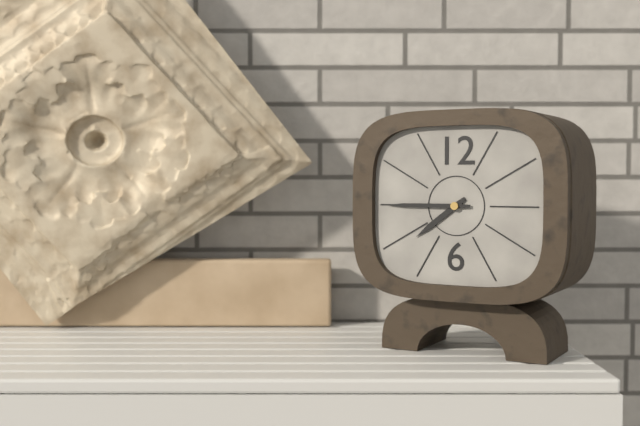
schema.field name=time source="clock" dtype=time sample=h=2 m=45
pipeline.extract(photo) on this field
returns h=7 m=45
